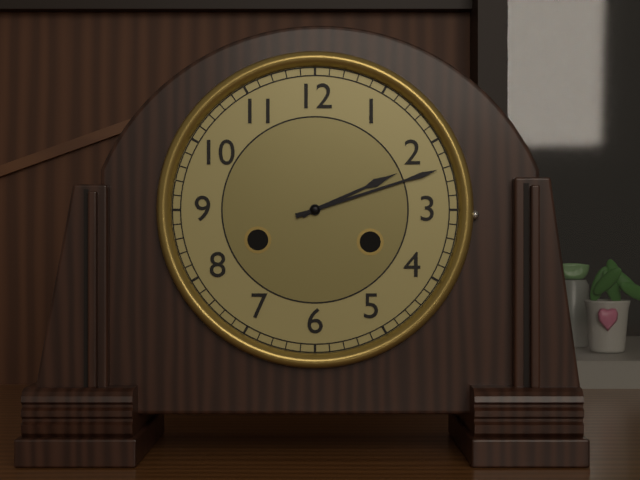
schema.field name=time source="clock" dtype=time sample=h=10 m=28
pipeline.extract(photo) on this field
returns h=2 m=12
